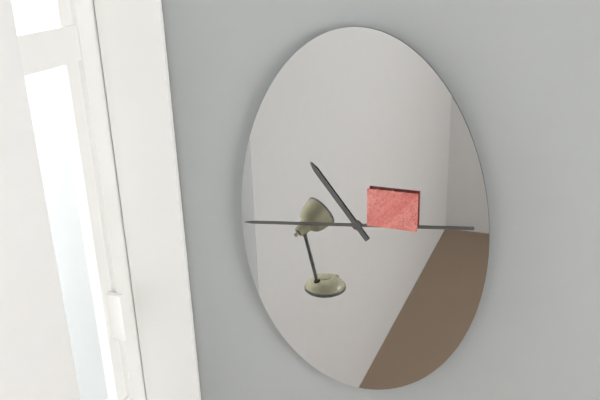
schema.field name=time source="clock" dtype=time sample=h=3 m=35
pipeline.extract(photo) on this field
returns h=10 m=44
